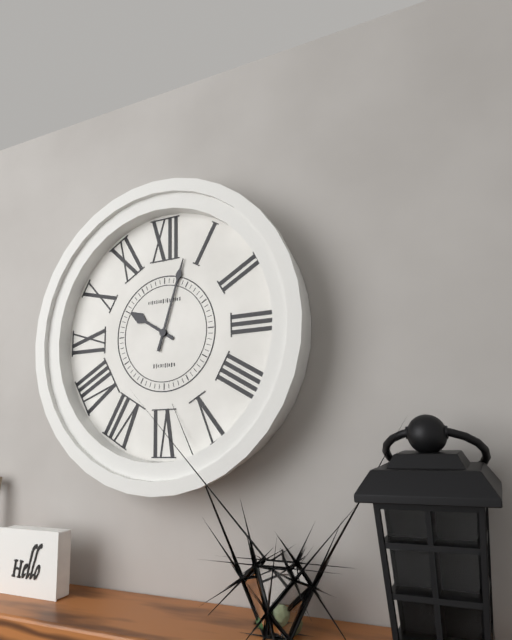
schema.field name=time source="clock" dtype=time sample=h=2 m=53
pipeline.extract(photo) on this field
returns h=10 m=3
